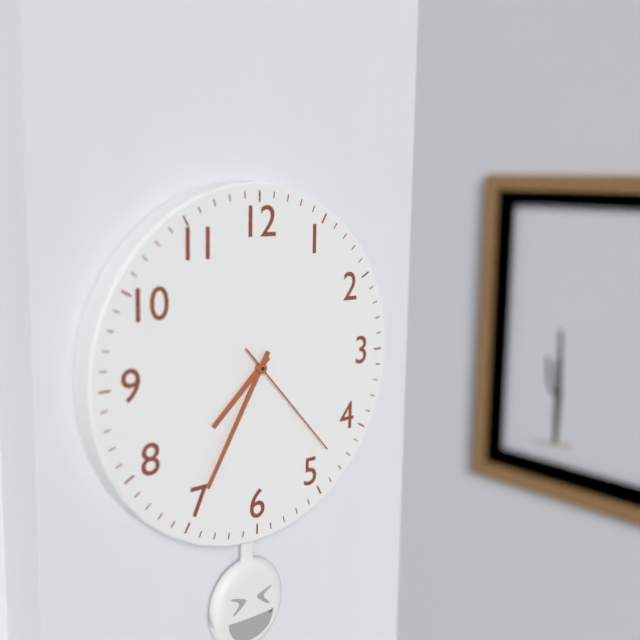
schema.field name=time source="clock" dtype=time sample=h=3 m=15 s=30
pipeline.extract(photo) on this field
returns h=7 m=35 s=23
